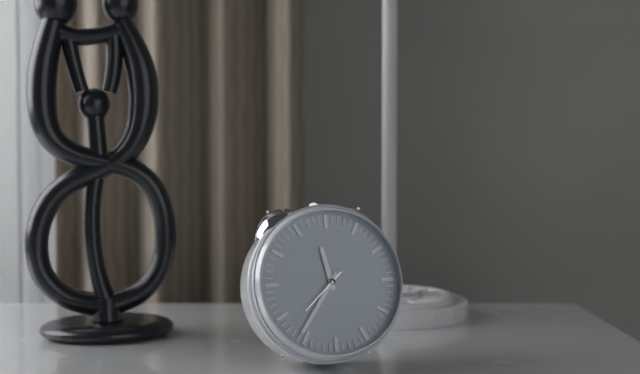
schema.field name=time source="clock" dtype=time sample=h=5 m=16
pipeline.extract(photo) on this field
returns h=11 m=36
